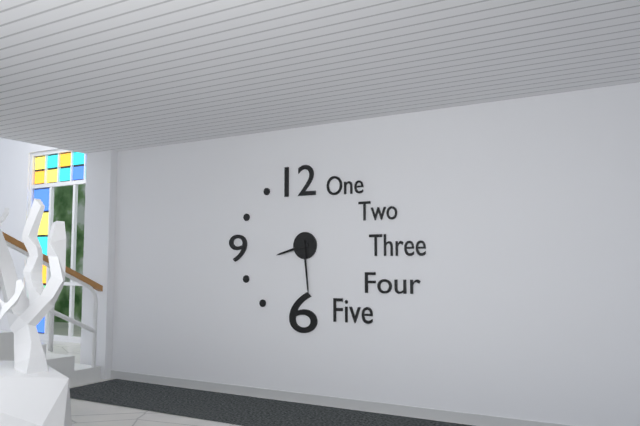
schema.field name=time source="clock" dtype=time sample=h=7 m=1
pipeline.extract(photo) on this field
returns h=8 m=29
